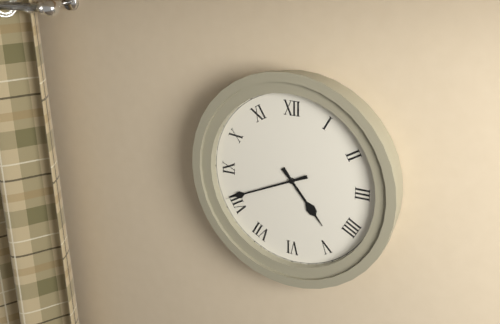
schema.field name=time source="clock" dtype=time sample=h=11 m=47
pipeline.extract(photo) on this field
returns h=4 m=41
